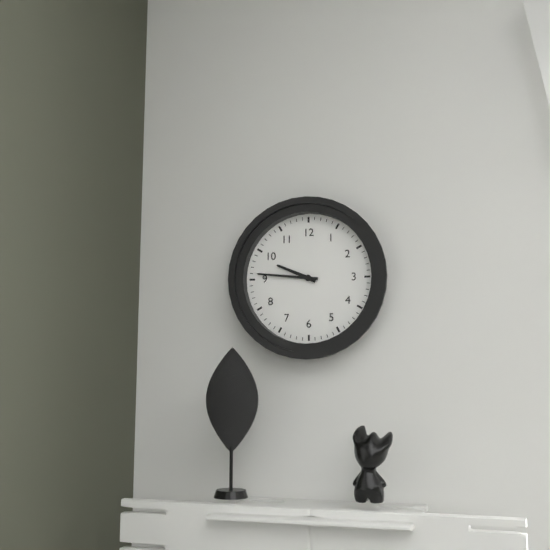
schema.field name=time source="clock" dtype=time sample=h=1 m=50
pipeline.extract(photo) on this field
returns h=9 m=46
